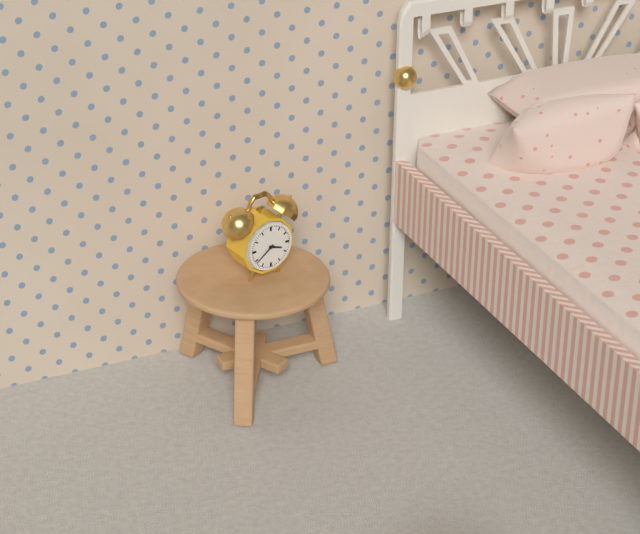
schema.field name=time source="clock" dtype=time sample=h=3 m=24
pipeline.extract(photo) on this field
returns h=3 m=39
